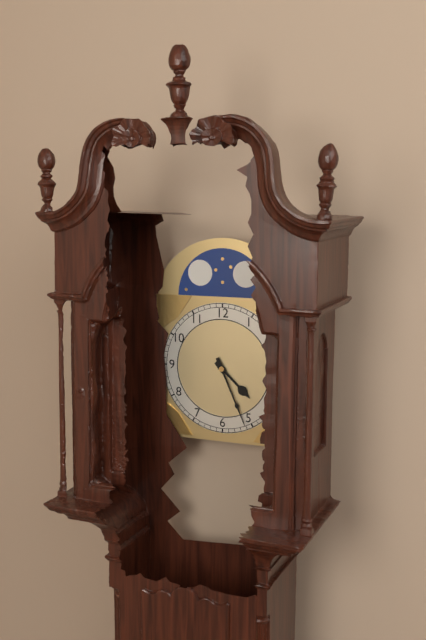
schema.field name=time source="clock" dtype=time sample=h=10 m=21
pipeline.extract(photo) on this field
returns h=4 m=26
